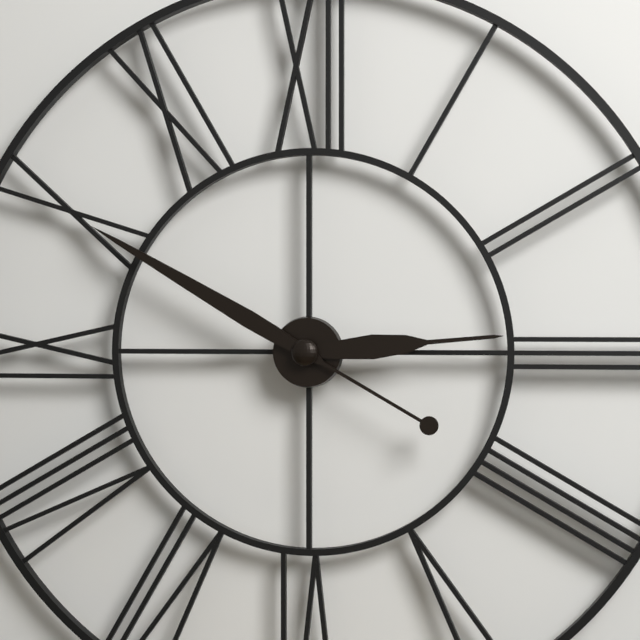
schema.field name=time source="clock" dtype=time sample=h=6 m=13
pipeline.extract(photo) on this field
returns h=2 m=50
